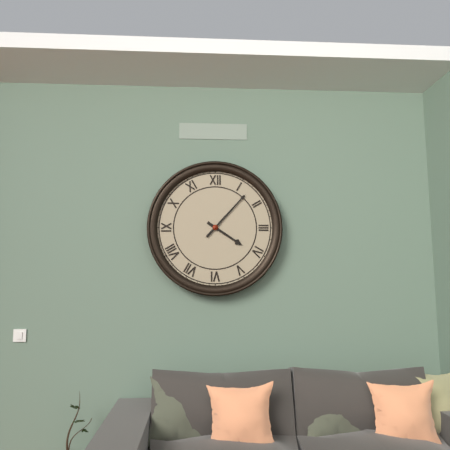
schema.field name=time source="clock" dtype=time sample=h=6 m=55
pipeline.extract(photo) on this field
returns h=4 m=7
